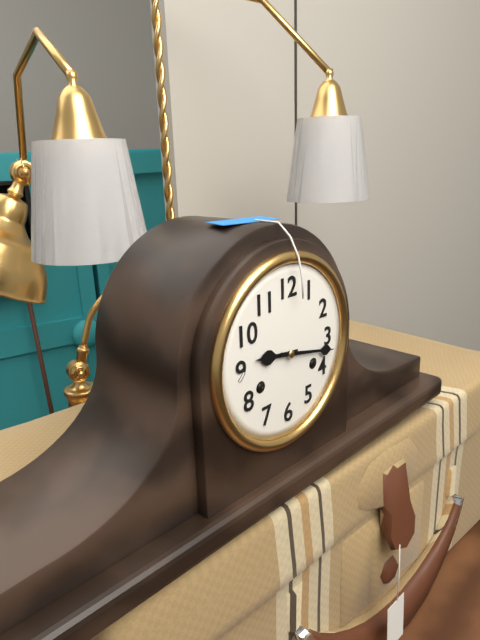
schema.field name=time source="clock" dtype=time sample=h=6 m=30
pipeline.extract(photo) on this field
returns h=9 m=17
